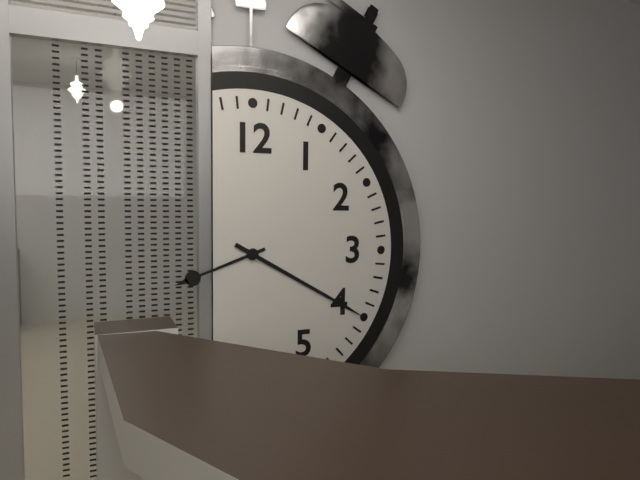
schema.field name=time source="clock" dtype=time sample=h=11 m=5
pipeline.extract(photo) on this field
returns h=8 m=20
